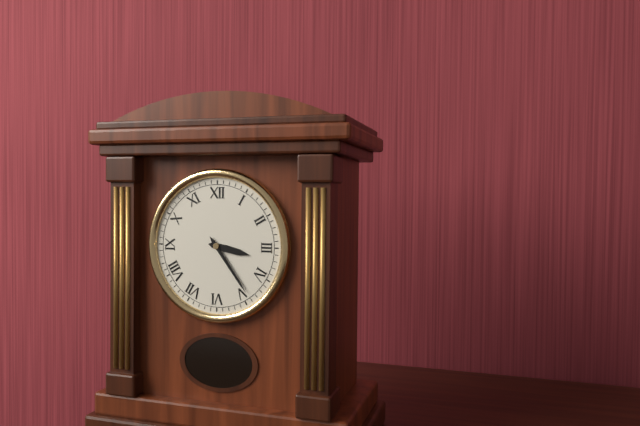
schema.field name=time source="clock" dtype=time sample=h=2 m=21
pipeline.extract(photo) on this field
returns h=3 m=24
